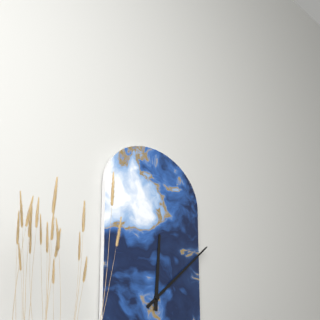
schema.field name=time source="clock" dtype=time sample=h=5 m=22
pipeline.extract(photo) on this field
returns h=12 m=8
